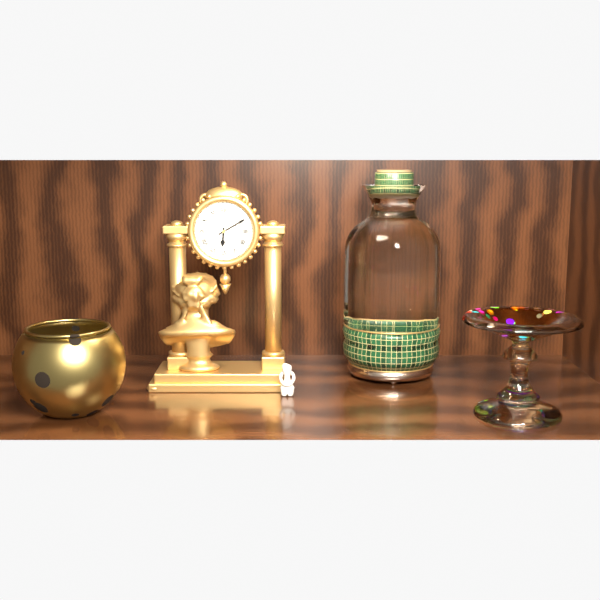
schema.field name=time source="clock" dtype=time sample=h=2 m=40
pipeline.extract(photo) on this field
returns h=6 m=10
